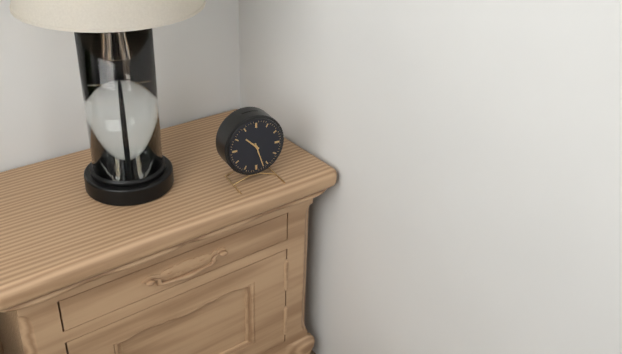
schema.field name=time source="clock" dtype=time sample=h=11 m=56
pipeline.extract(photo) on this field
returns h=10 m=27
